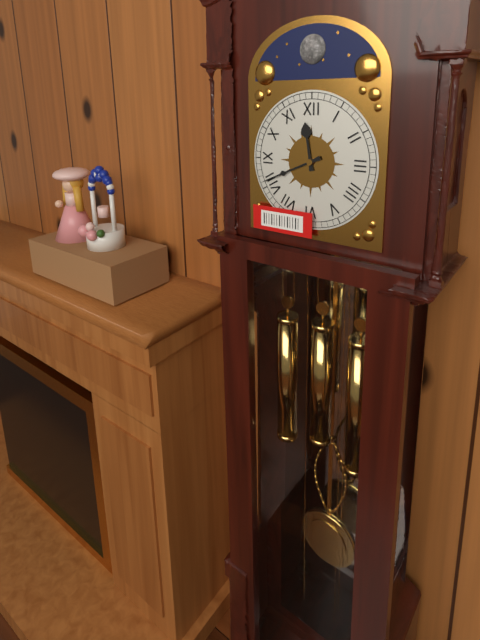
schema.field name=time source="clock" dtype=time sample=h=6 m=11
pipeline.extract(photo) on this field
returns h=11 m=41
